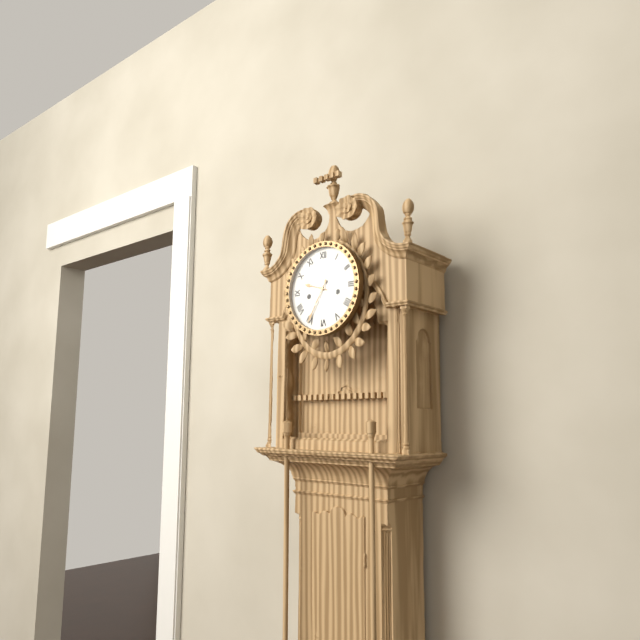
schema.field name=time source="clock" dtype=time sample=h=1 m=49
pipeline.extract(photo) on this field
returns h=9 m=35
